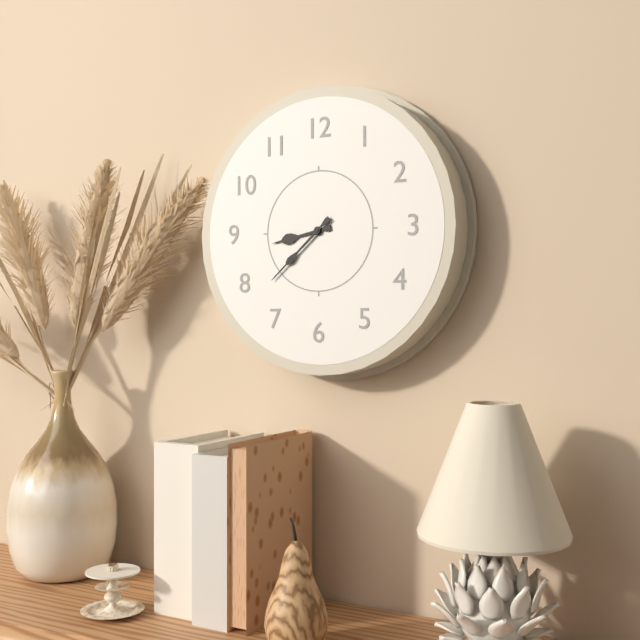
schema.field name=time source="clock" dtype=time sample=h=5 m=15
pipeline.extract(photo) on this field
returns h=8 m=38
